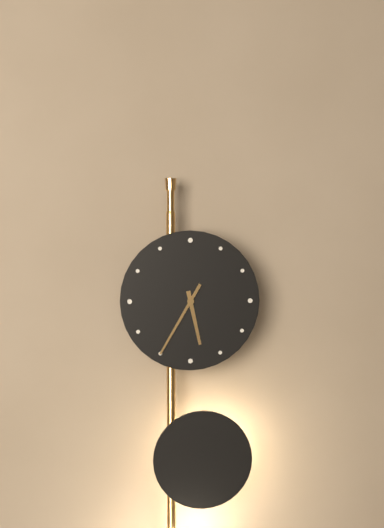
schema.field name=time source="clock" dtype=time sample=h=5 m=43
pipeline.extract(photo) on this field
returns h=5 m=35
